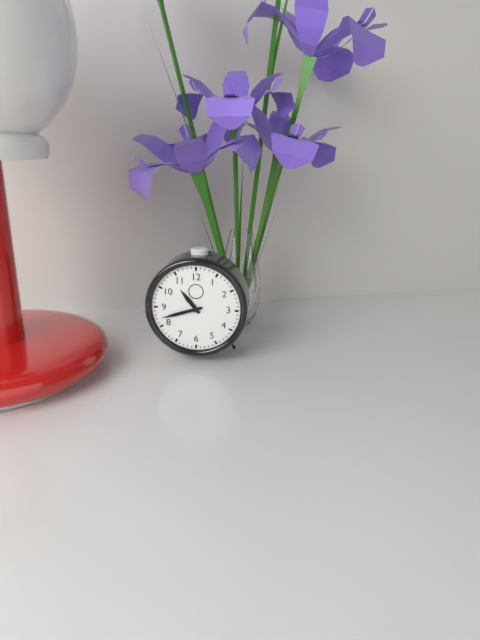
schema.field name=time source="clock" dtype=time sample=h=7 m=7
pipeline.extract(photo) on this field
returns h=10 m=42
